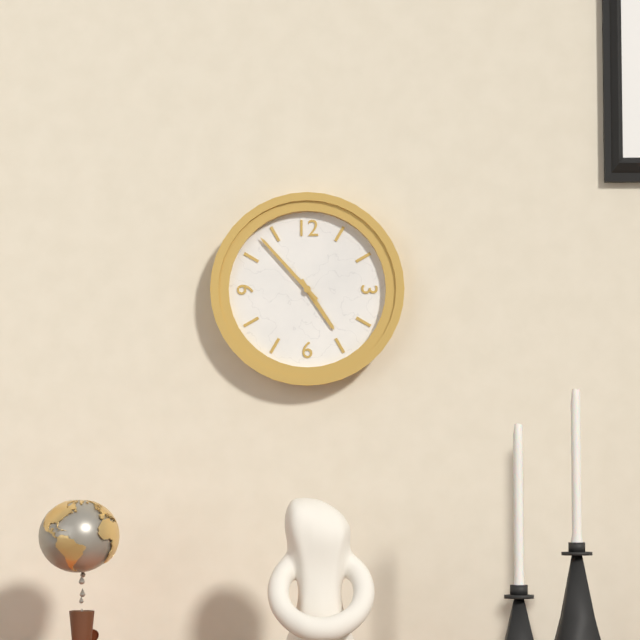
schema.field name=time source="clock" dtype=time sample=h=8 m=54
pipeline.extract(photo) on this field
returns h=4 m=53
